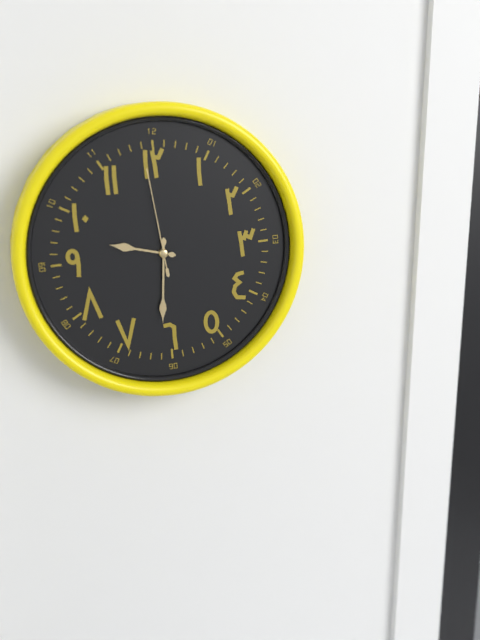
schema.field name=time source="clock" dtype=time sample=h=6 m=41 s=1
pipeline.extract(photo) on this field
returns h=9 m=31 s=59
